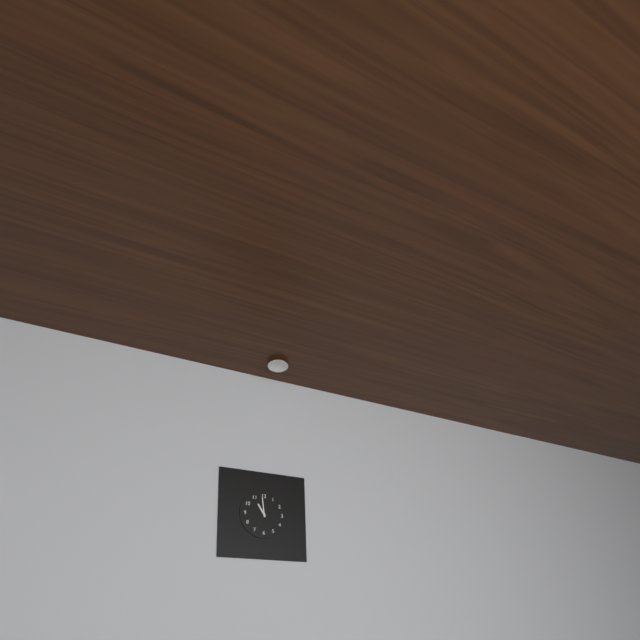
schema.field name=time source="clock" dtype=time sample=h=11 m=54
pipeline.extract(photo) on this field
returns h=10 m=59
